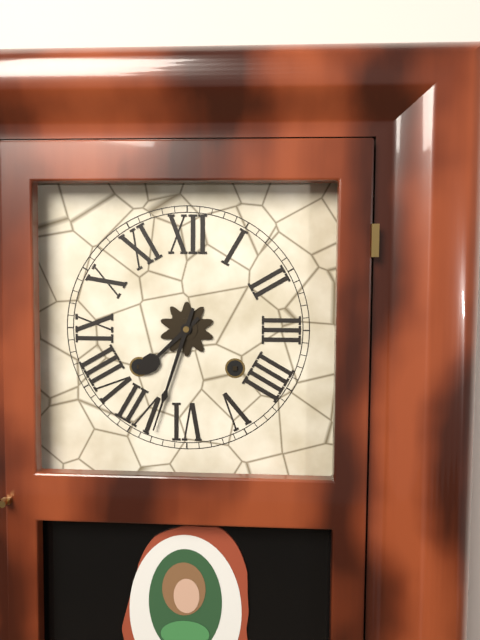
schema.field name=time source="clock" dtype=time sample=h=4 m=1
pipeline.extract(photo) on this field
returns h=7 m=33
